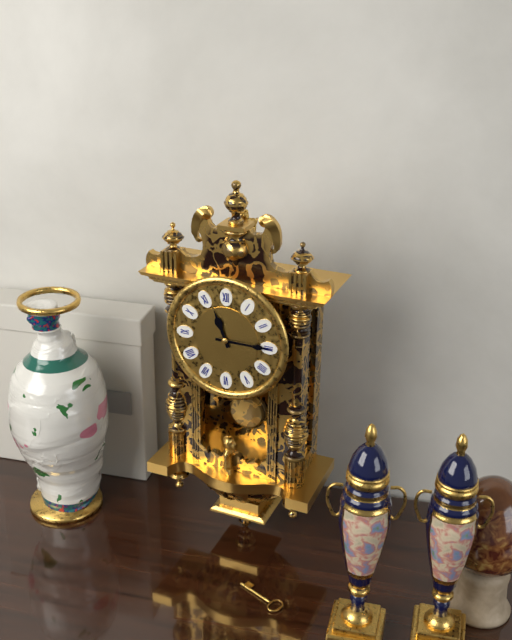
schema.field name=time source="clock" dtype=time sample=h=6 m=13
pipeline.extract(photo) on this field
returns h=11 m=15
